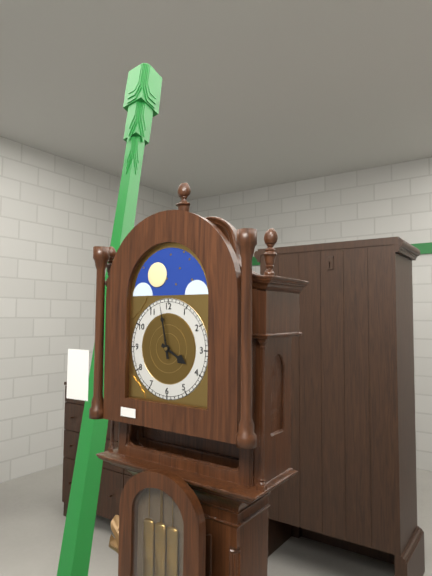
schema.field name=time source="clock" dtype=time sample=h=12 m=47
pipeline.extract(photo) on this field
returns h=3 m=58
